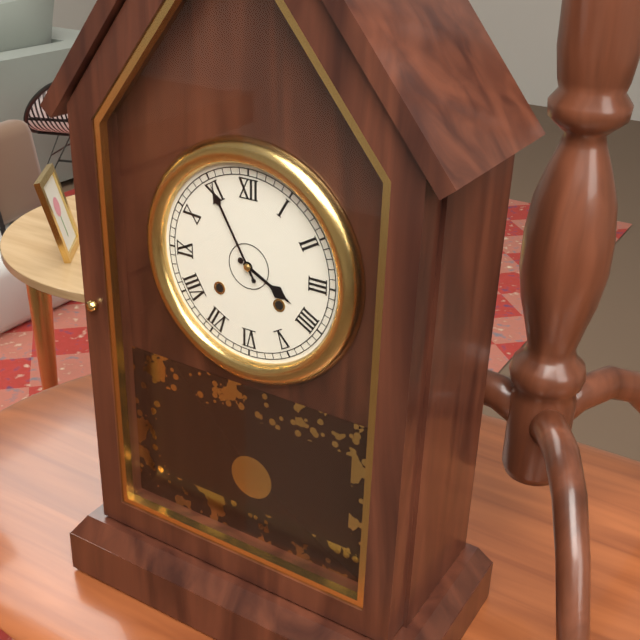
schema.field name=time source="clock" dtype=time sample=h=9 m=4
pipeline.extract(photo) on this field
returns h=3 m=55
